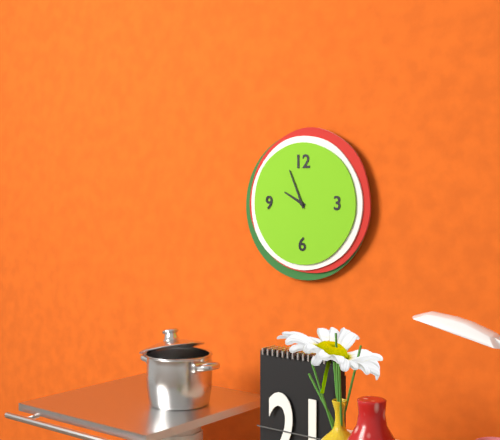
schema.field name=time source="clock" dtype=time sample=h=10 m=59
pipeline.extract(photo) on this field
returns h=9 m=56
